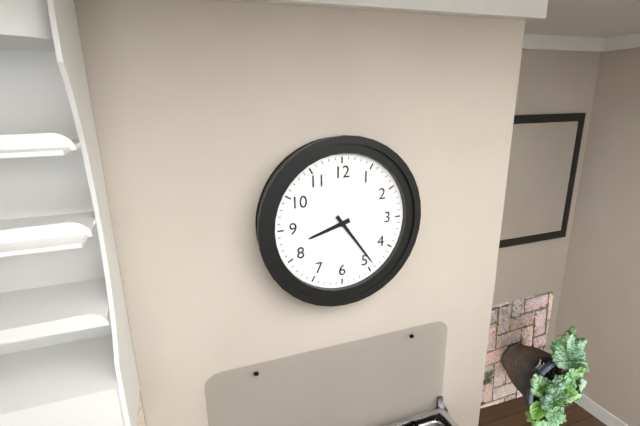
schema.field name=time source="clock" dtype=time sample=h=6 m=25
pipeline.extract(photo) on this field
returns h=8 m=24
